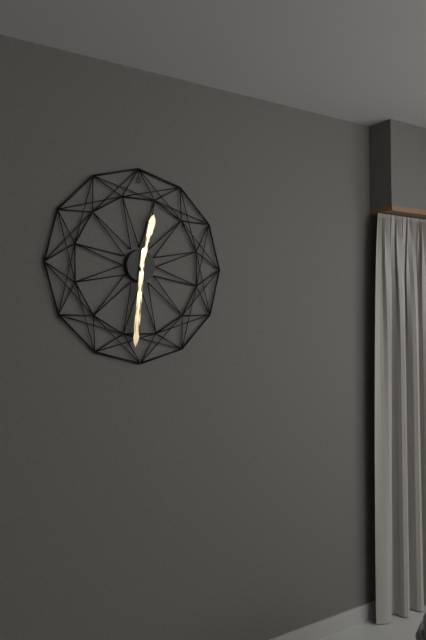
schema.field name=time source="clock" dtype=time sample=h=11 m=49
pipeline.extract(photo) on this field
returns h=12 m=31
